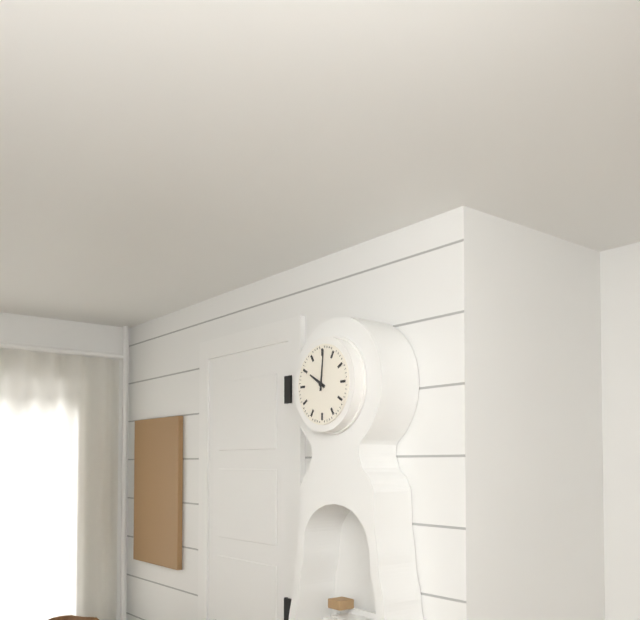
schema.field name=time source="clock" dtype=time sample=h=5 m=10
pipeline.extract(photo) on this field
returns h=10 m=1
